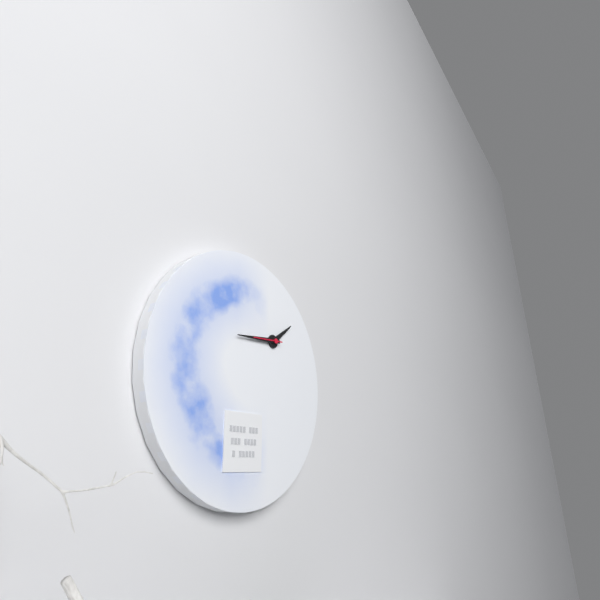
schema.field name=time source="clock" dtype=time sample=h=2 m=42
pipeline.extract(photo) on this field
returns h=1 m=44
